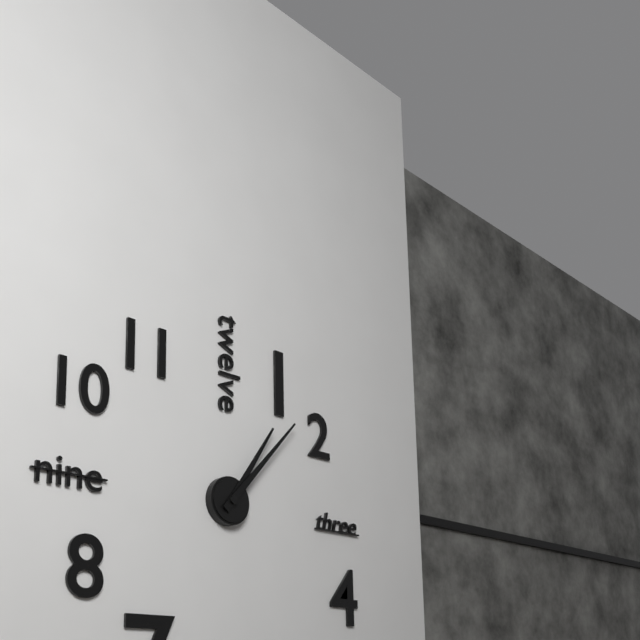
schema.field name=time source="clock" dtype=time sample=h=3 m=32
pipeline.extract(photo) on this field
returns h=1 m=7
